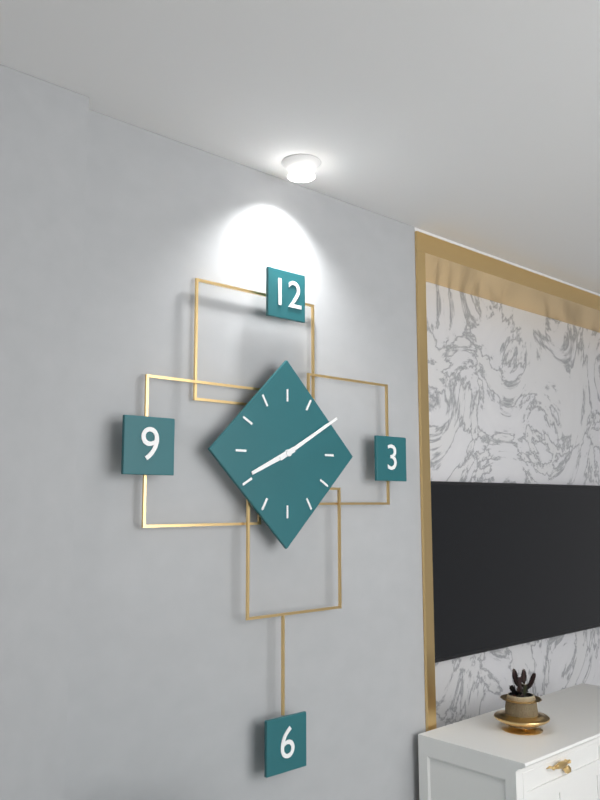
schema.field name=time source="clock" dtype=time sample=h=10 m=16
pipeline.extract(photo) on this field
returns h=8 m=10
